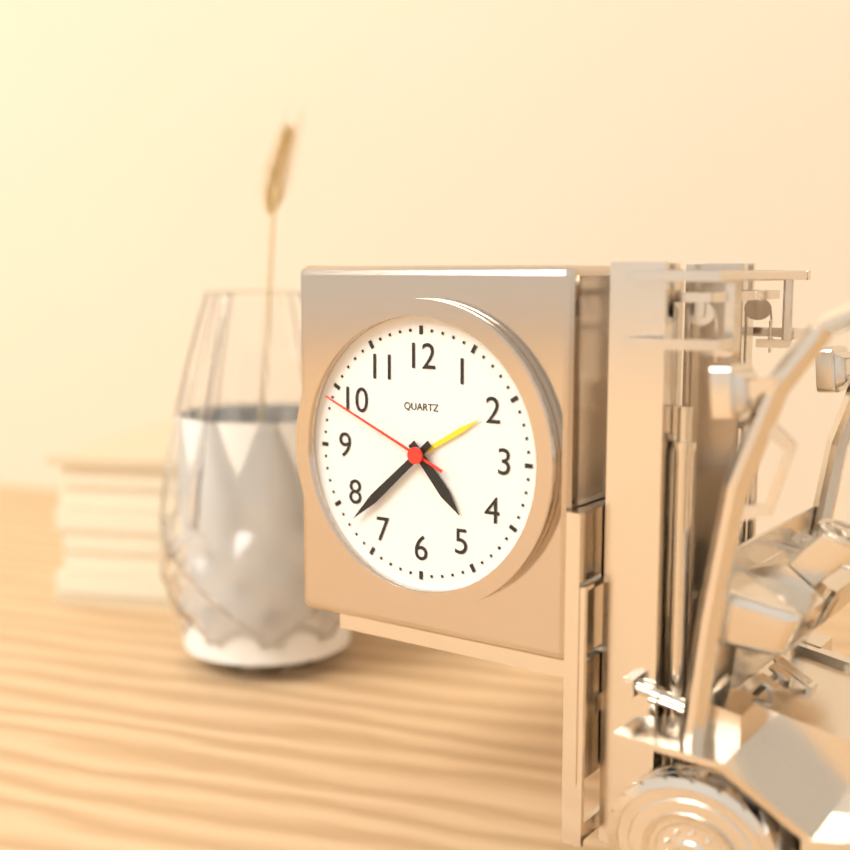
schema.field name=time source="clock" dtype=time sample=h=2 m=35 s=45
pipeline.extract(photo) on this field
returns h=4 m=38 s=49
